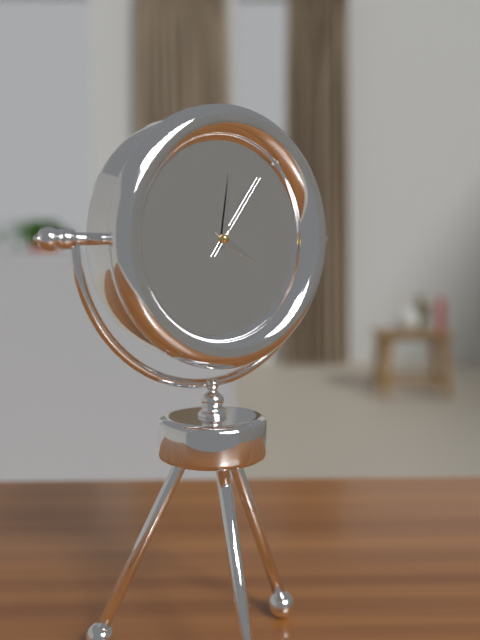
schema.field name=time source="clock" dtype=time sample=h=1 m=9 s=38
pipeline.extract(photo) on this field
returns h=4 m=1 s=6
